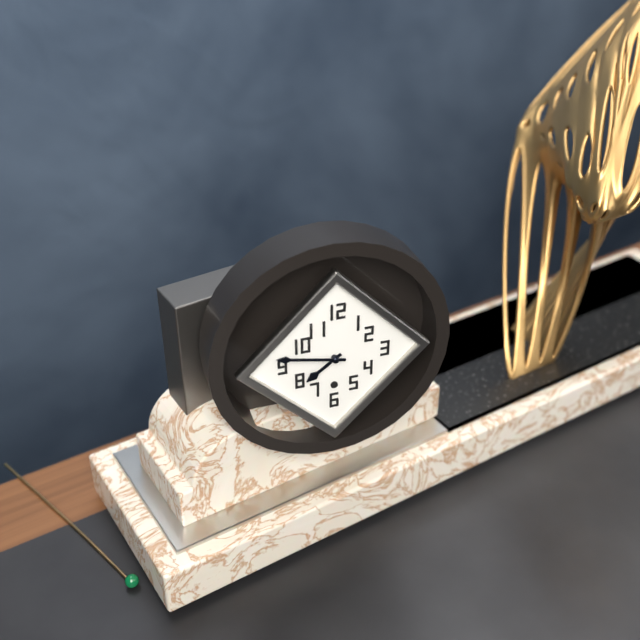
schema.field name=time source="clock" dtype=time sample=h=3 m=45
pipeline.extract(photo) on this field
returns h=7 m=47
